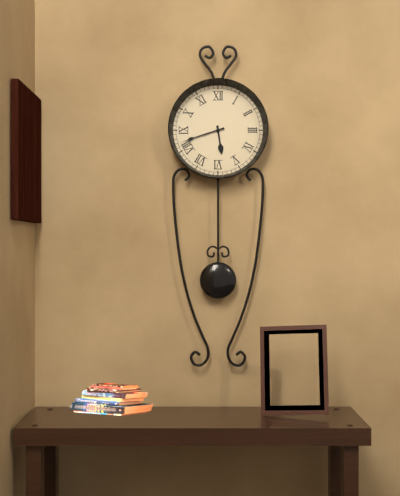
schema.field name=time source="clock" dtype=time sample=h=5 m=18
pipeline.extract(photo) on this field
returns h=5 m=42
